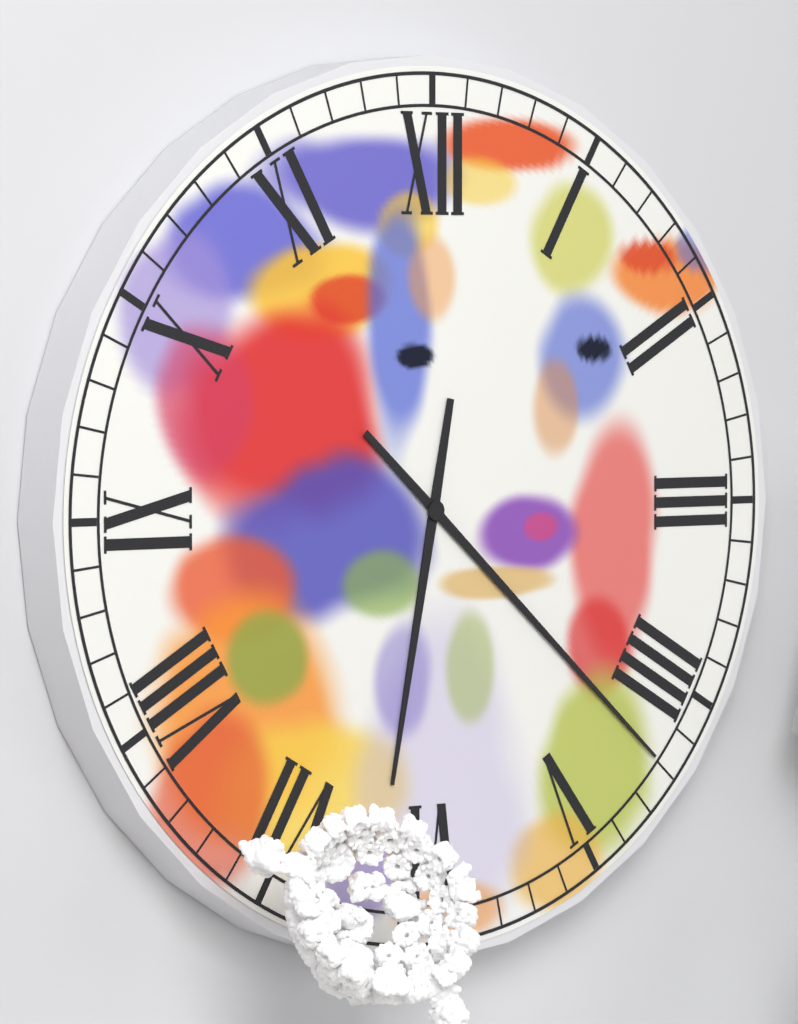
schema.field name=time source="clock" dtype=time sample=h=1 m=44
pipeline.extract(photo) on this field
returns h=6 m=22
